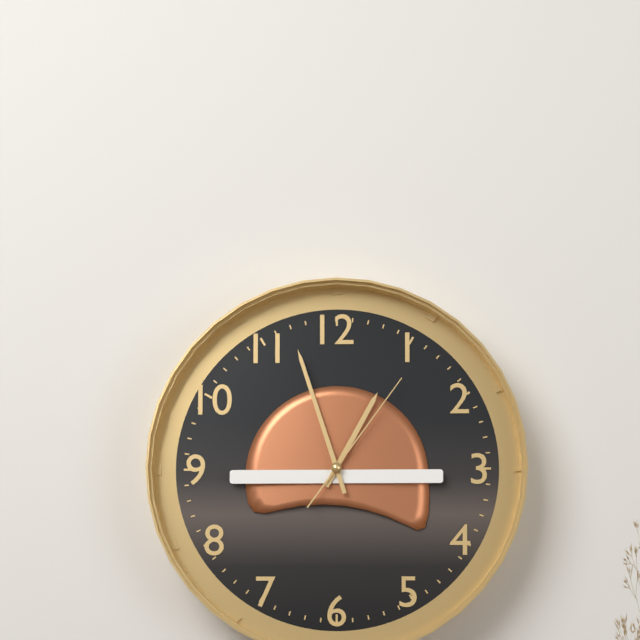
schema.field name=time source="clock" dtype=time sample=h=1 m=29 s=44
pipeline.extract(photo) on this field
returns h=12 m=57 s=6
